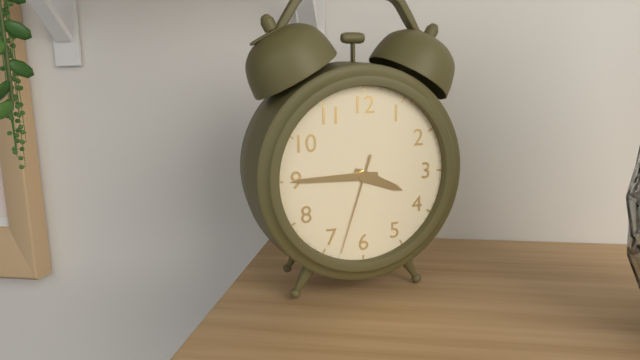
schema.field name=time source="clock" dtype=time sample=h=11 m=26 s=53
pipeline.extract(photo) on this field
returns h=3 m=45 s=33
